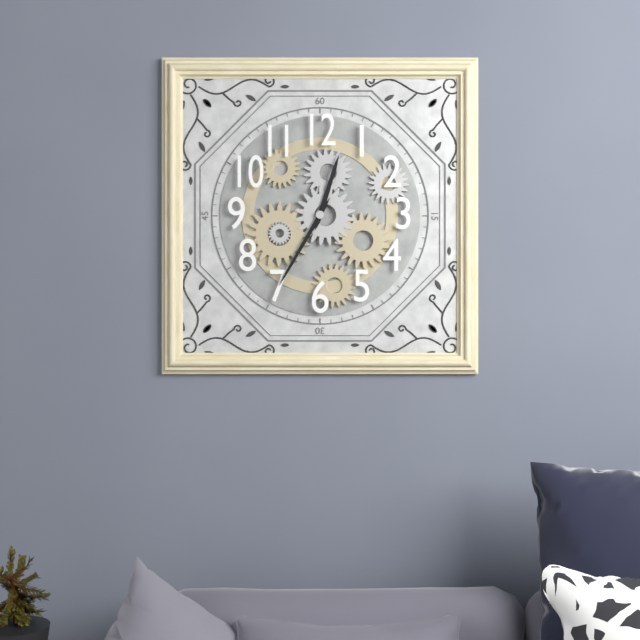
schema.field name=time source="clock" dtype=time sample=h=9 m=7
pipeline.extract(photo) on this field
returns h=12 m=35
